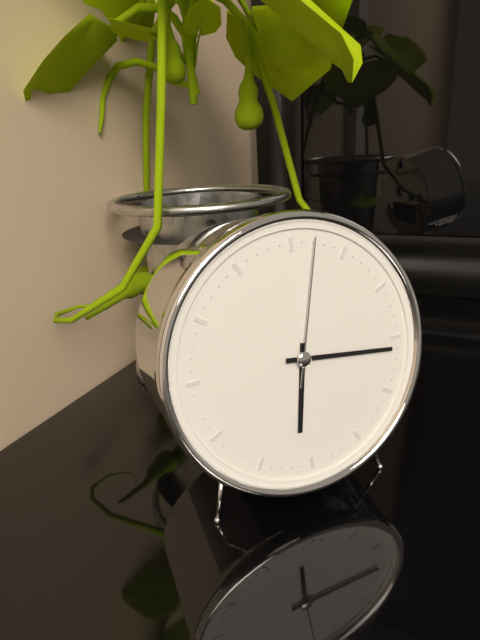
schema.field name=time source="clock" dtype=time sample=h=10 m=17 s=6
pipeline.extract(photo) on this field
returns h=6 m=16 s=2
